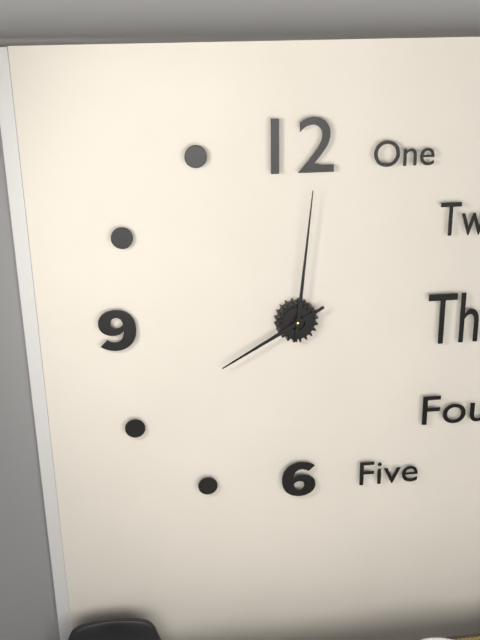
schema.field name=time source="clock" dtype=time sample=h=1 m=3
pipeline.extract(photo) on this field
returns h=8 m=1
